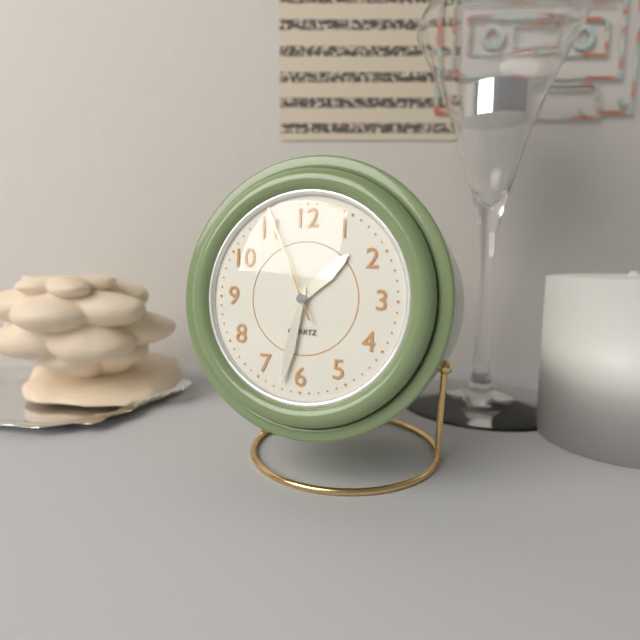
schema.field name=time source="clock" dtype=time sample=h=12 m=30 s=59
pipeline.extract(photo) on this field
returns h=1 m=32 s=56
